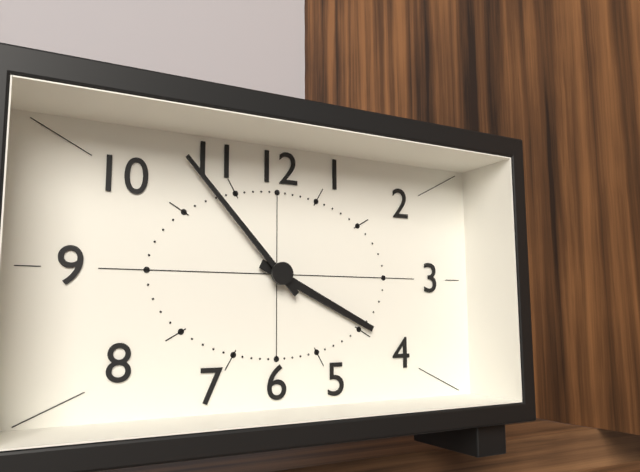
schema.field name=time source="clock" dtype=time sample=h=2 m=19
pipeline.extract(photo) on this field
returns h=3 m=53
